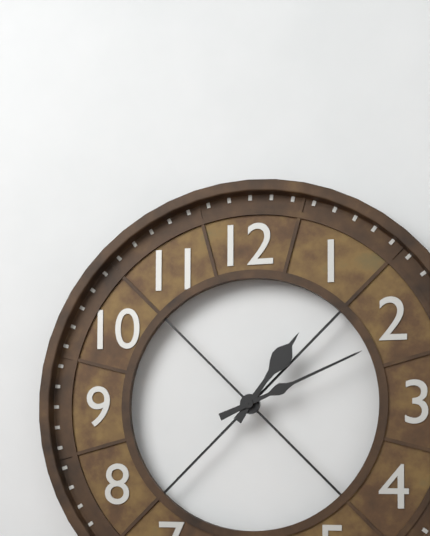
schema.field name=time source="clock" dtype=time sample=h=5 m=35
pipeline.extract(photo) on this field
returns h=1 m=11
